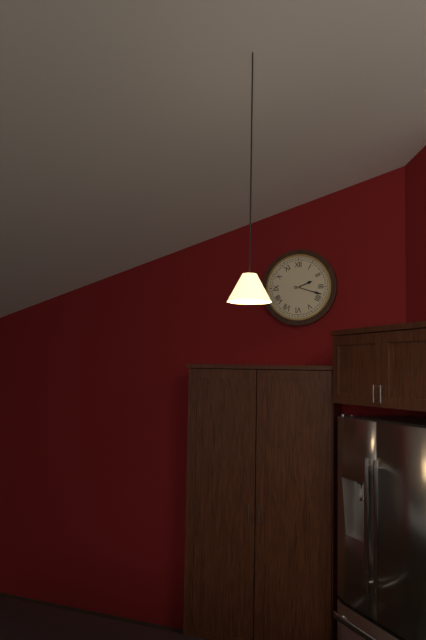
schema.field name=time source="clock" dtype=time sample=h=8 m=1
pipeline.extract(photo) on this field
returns h=2 m=18
